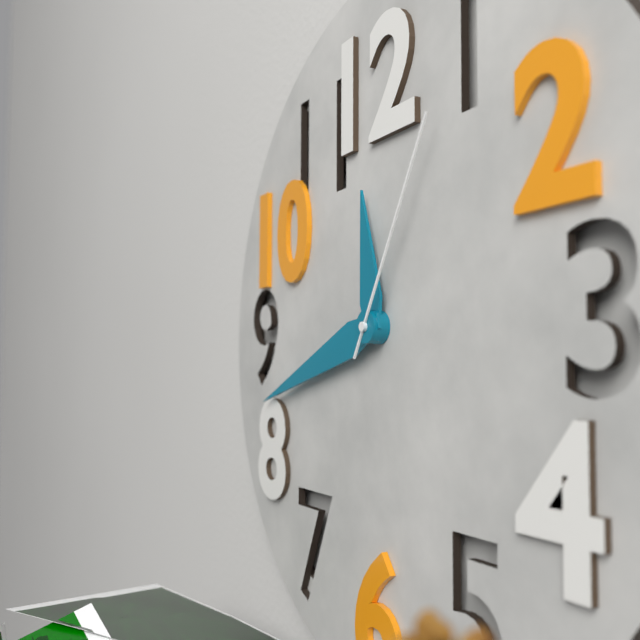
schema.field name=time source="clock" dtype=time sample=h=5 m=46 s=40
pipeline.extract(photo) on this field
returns h=11 m=42 s=5
